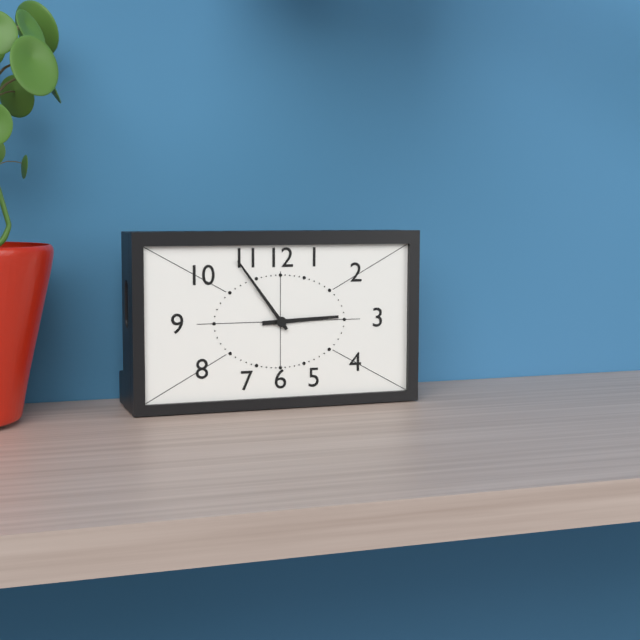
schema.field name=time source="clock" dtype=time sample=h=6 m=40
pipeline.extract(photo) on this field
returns h=2 m=54
